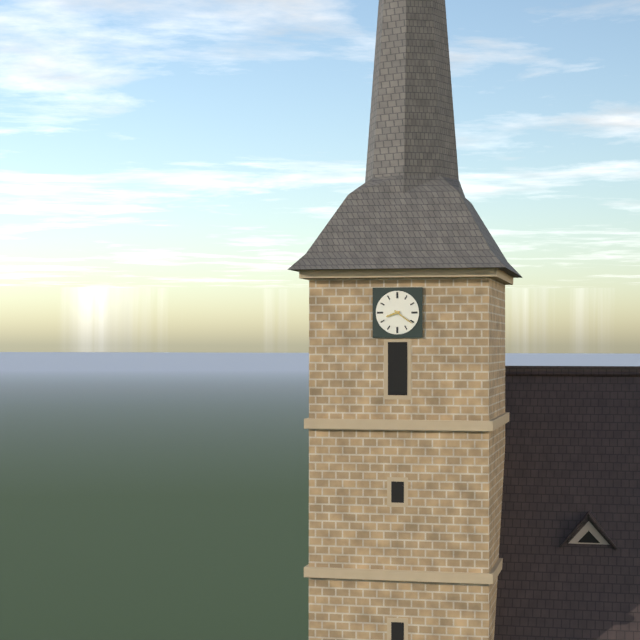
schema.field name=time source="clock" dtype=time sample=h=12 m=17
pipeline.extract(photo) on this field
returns h=8 m=21
